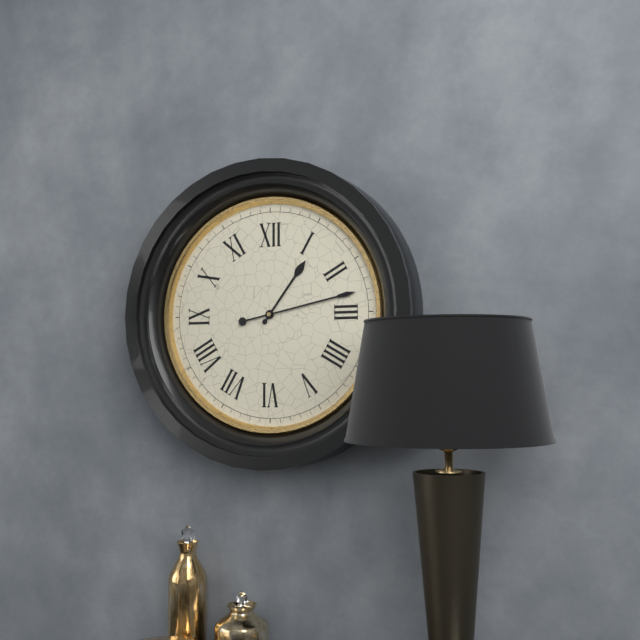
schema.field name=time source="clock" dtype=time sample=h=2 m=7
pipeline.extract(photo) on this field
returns h=1 m=13
